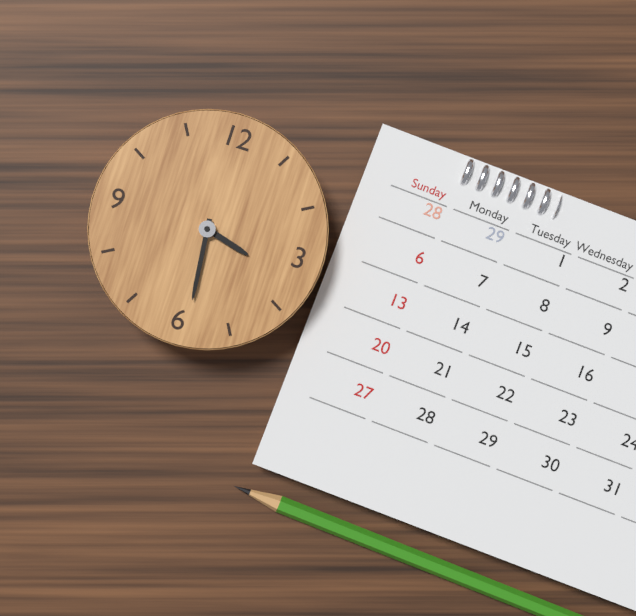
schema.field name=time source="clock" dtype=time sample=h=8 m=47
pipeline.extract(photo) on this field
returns h=3 m=29
